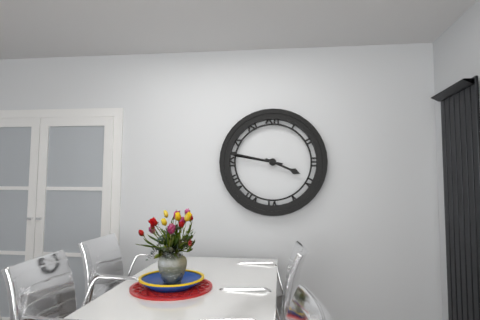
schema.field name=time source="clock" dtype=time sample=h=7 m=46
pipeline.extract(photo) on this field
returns h=3 m=47
